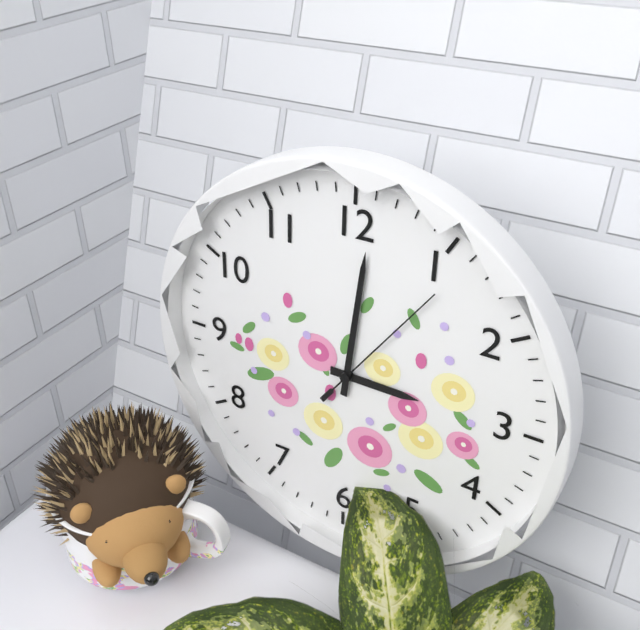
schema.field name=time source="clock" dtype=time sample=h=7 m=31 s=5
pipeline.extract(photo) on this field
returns h=3 m=1 s=6
